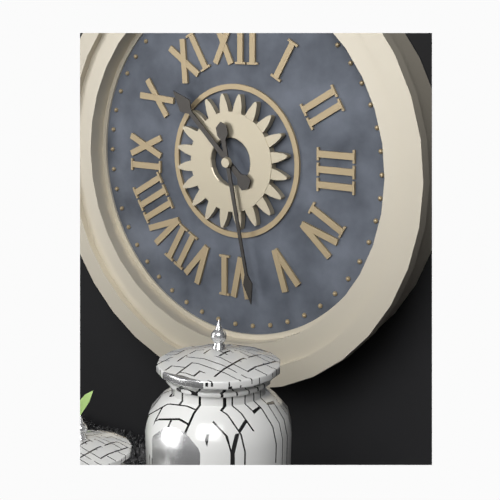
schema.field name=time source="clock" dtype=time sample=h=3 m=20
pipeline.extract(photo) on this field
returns h=10 m=28
